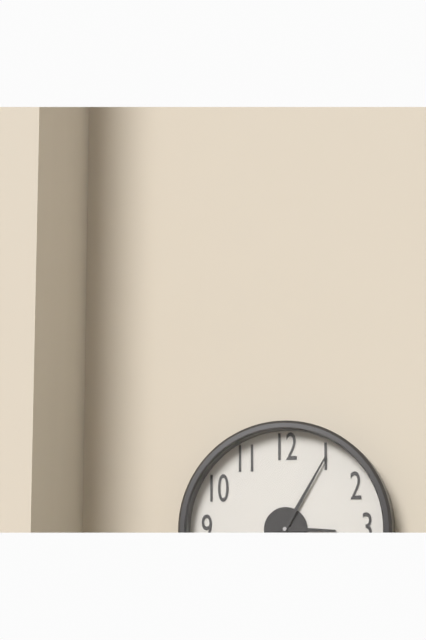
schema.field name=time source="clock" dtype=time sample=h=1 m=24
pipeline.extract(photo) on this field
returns h=3 m=5
